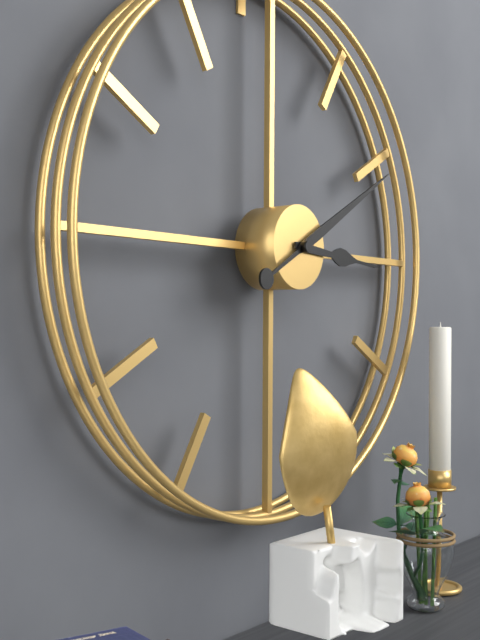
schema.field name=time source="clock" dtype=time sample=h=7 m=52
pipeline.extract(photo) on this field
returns h=3 m=10
